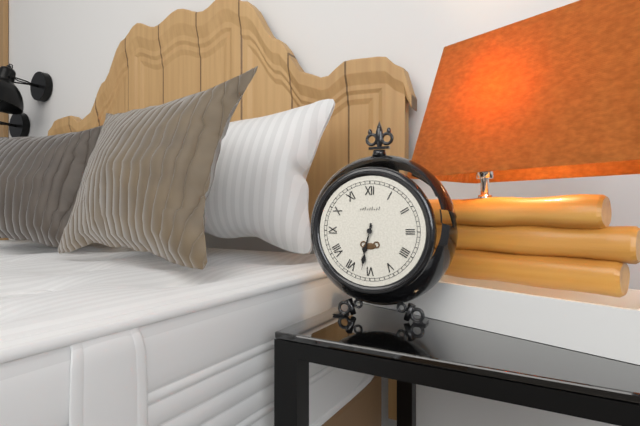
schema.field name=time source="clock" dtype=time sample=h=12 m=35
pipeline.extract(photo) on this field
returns h=6 m=32
